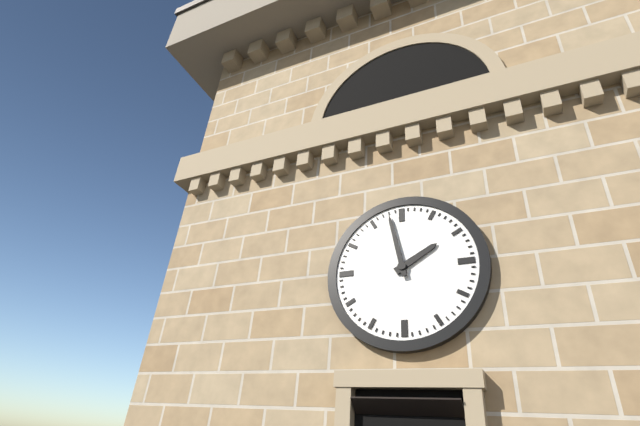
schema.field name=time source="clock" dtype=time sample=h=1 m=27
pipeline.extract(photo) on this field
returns h=1 m=58
